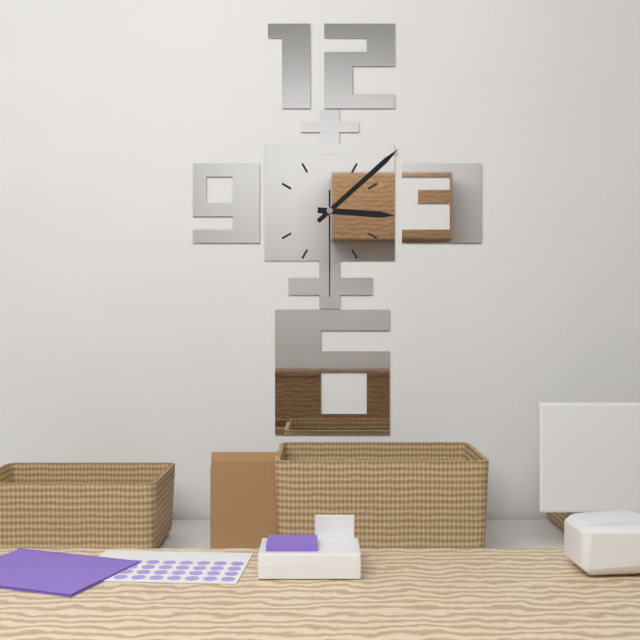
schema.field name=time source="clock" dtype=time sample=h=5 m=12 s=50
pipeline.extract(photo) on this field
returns h=3 m=8 s=30
